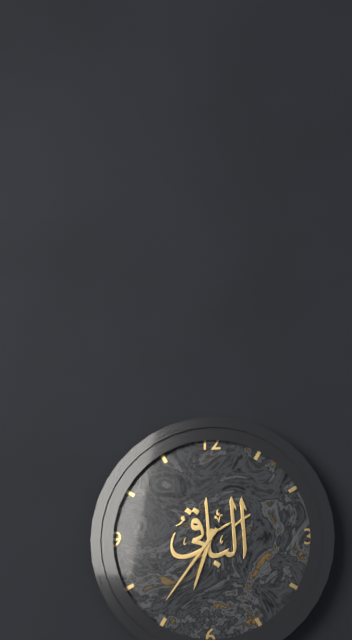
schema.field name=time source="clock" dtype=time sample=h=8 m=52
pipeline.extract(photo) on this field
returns h=6 m=36
